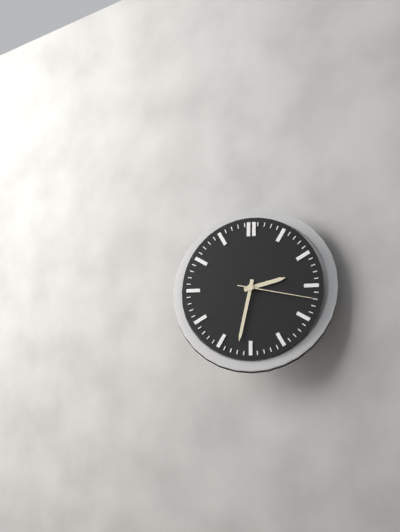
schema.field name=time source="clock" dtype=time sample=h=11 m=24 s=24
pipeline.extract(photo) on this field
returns h=2 m=32 s=17
